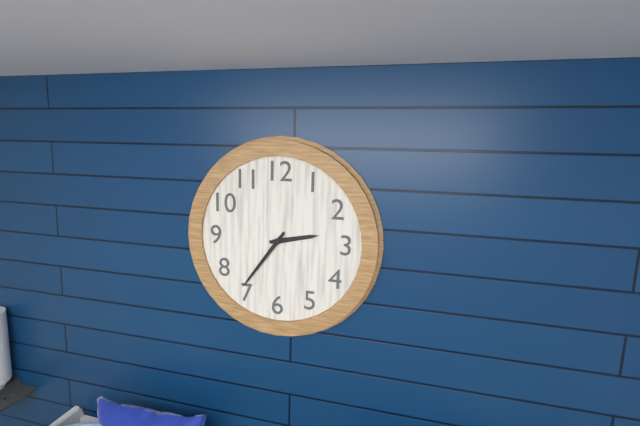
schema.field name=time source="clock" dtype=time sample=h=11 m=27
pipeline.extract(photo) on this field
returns h=2 m=36
